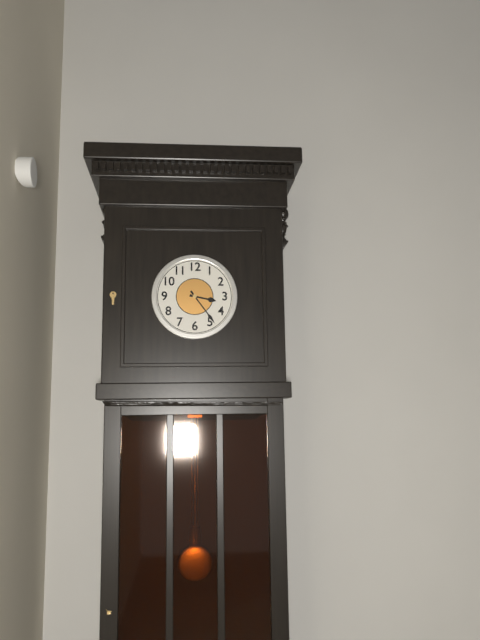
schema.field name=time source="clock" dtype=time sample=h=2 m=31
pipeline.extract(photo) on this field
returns h=3 m=24
